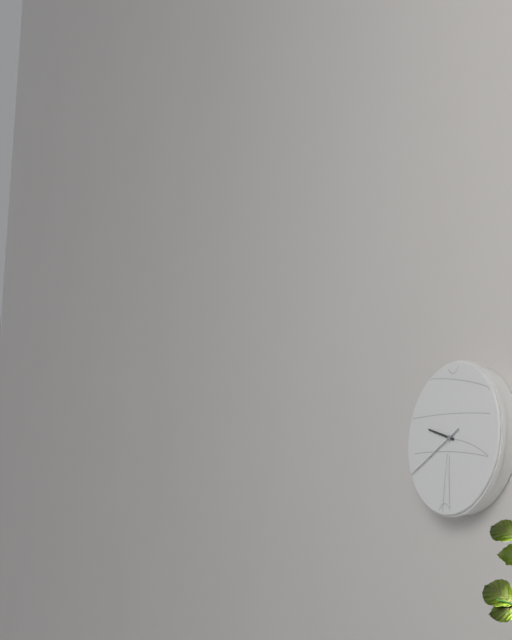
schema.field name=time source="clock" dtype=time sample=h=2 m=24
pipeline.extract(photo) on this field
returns h=9 m=41
